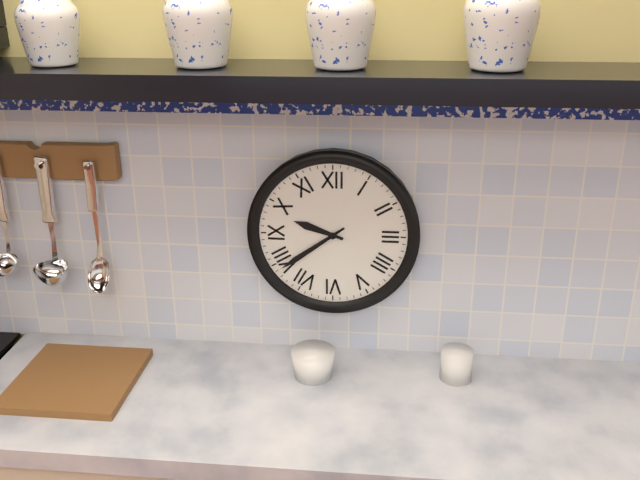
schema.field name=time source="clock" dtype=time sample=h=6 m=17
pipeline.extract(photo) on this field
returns h=9 m=39
